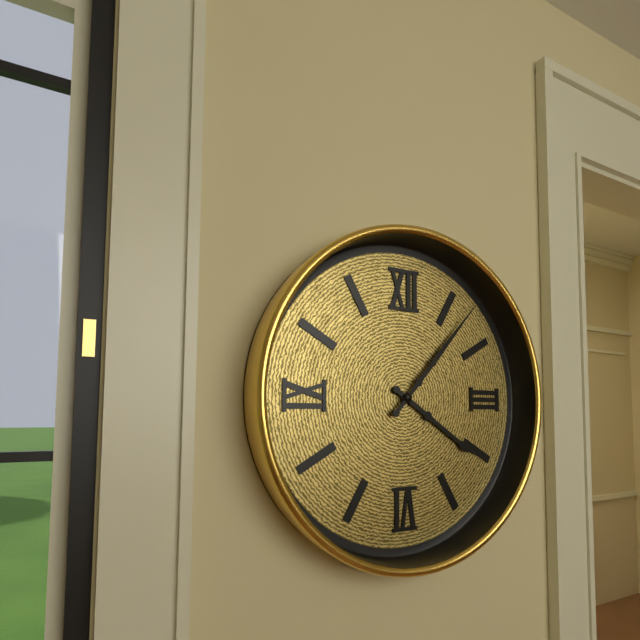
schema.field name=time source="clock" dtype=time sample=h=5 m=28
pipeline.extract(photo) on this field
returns h=4 m=7
